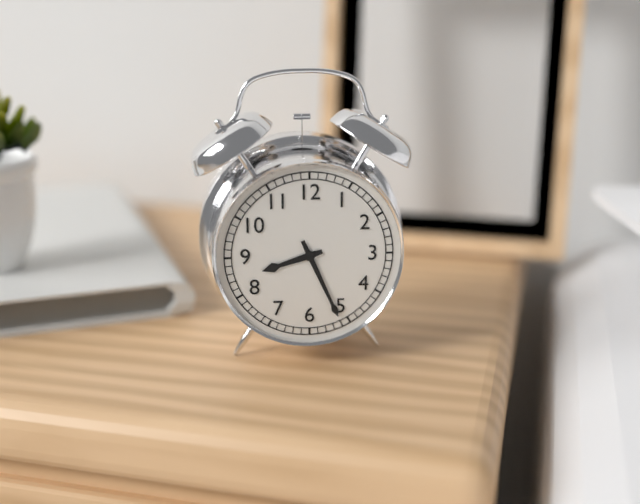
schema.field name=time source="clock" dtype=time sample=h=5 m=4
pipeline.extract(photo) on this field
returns h=8 m=26
